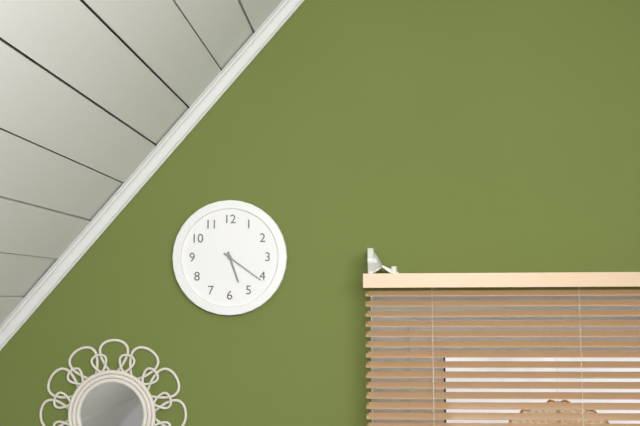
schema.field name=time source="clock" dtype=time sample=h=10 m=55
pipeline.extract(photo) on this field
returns h=5 m=21
